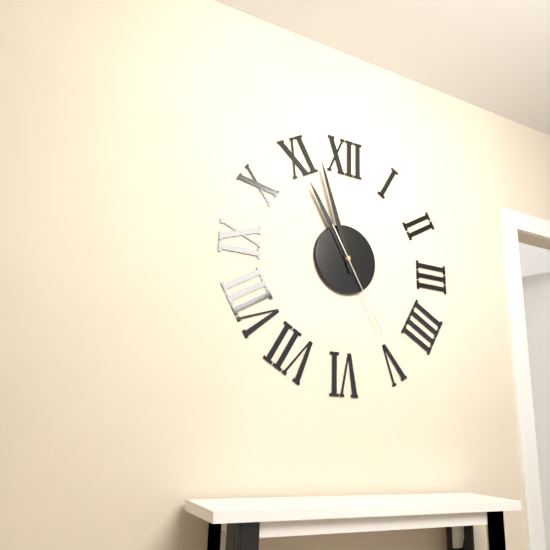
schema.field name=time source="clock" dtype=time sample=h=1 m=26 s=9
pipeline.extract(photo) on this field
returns h=10 m=57 s=25
